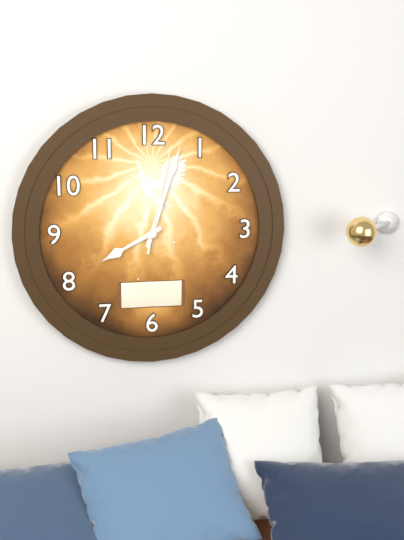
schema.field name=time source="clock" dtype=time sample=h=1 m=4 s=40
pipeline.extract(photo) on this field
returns h=8 m=3 s=2
